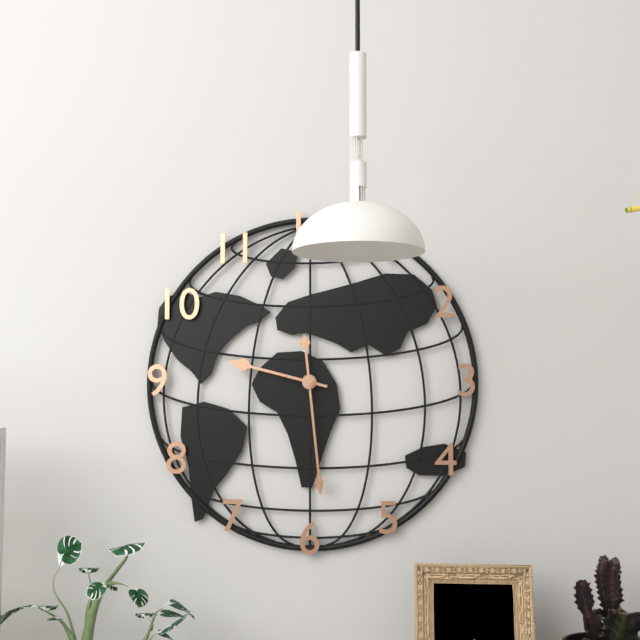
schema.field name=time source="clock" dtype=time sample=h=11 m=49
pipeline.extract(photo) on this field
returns h=9 m=29
